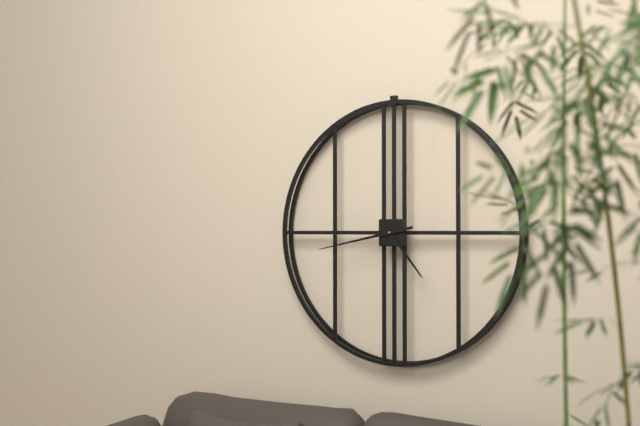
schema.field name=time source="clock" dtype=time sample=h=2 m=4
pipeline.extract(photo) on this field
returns h=4 m=43
